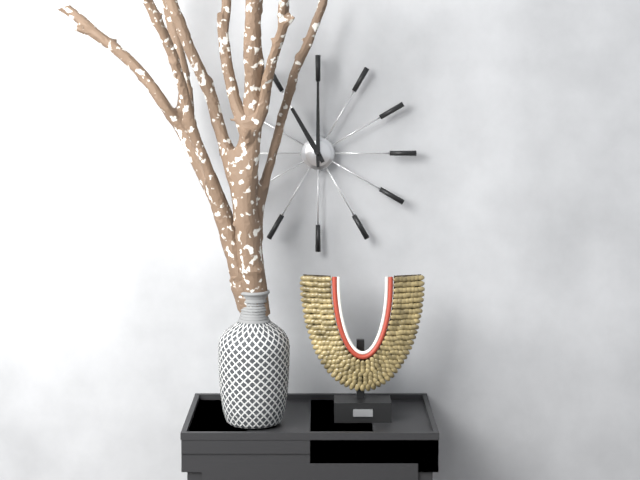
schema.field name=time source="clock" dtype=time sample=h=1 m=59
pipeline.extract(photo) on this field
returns h=11 m=0
